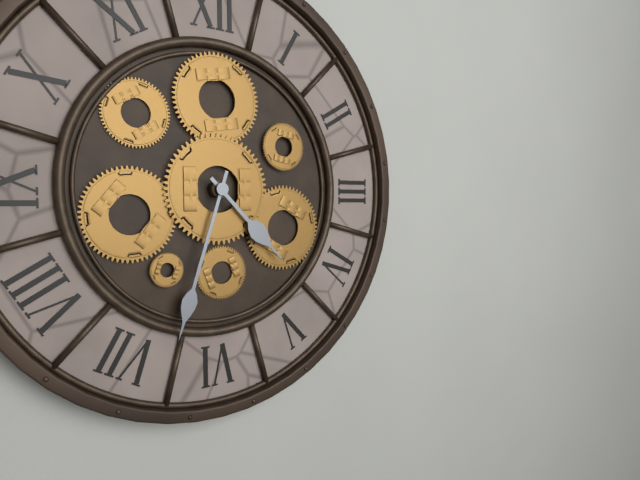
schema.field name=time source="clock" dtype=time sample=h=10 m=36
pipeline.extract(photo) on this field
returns h=4 m=33
